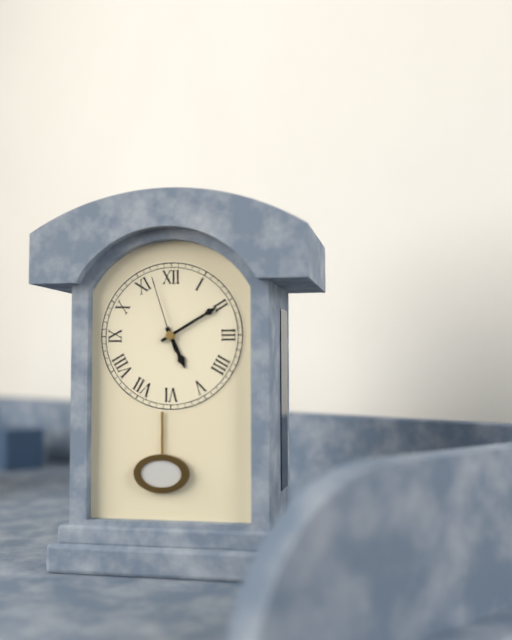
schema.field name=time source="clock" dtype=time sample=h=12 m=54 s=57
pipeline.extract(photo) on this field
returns h=5 m=10 s=57
